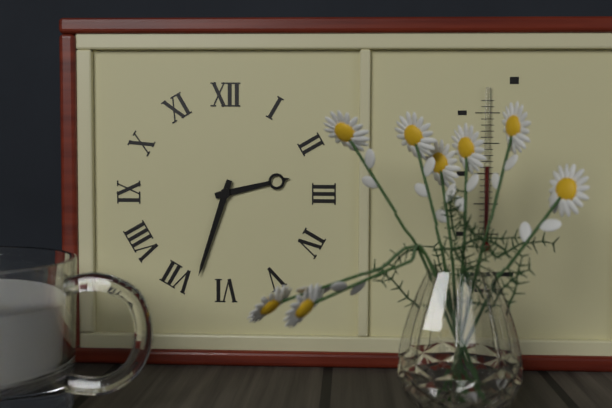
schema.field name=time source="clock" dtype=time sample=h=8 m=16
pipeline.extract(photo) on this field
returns h=2 m=33
